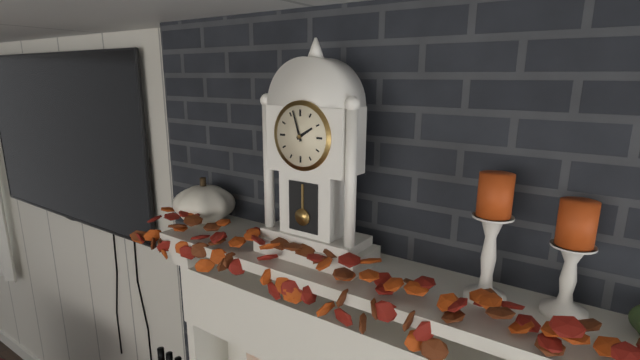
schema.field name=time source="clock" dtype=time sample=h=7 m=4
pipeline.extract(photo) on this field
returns h=1 m=57
